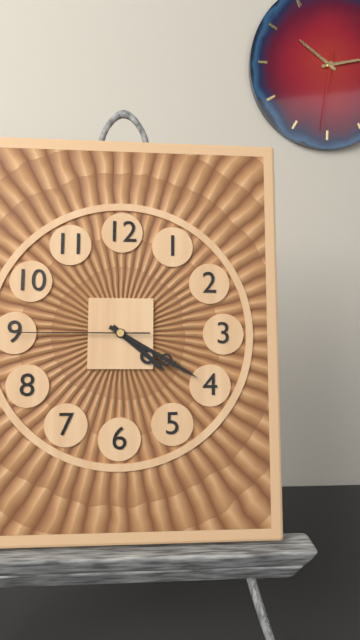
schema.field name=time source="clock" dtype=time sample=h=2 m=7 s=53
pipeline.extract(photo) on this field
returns h=4 m=20 s=45
